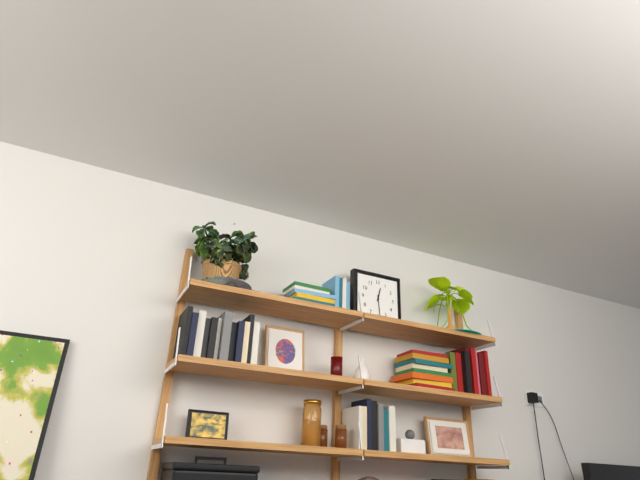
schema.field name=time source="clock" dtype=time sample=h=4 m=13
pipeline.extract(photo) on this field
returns h=12 m=29
